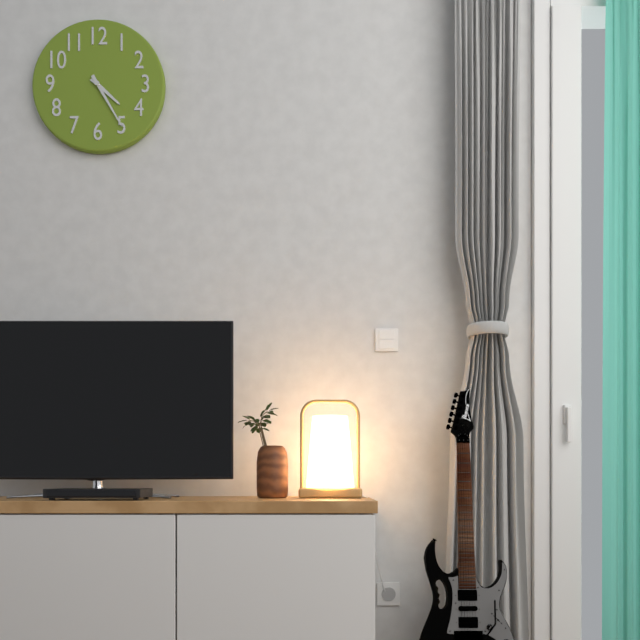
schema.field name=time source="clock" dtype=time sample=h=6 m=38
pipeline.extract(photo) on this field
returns h=4 m=25
